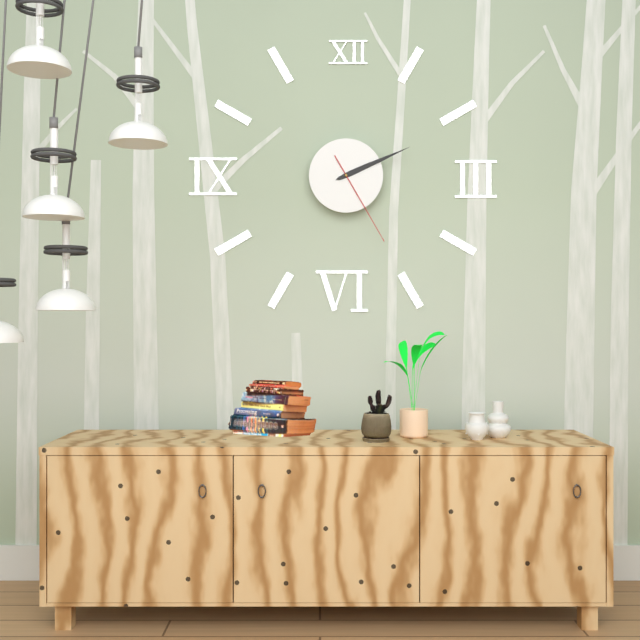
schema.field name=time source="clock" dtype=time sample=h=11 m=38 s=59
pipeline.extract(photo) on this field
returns h=2 m=11 s=25
